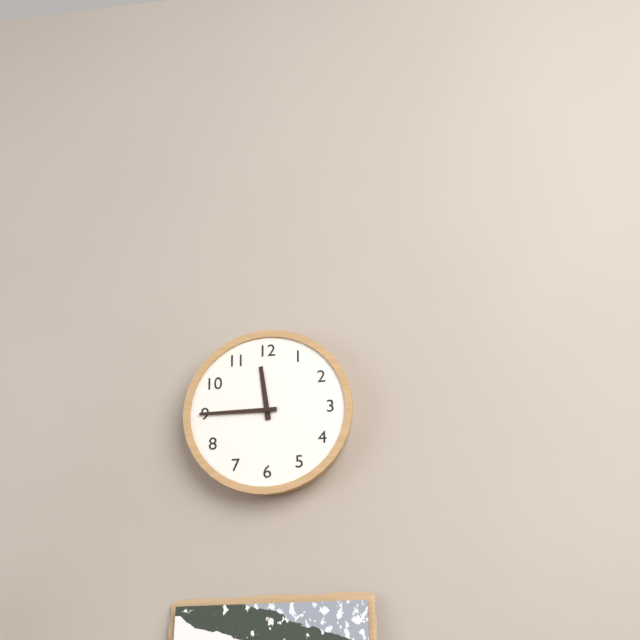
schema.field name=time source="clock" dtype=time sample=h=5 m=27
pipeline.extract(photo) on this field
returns h=11 m=45
